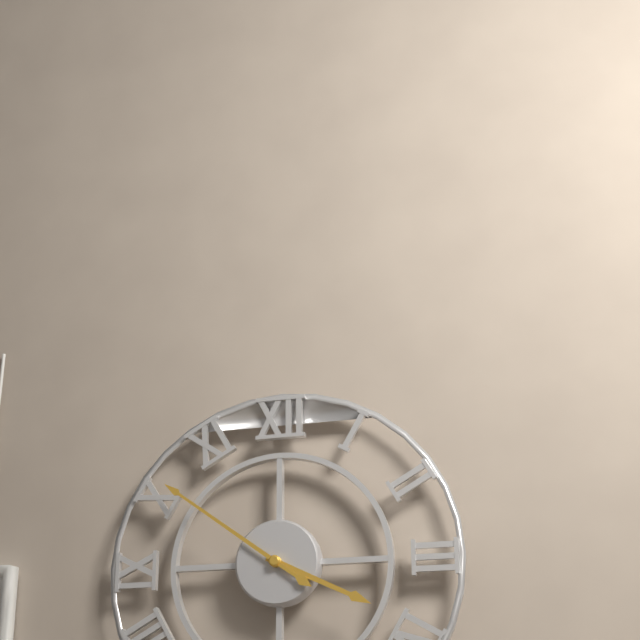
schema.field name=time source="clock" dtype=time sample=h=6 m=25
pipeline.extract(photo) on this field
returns h=3 m=51
